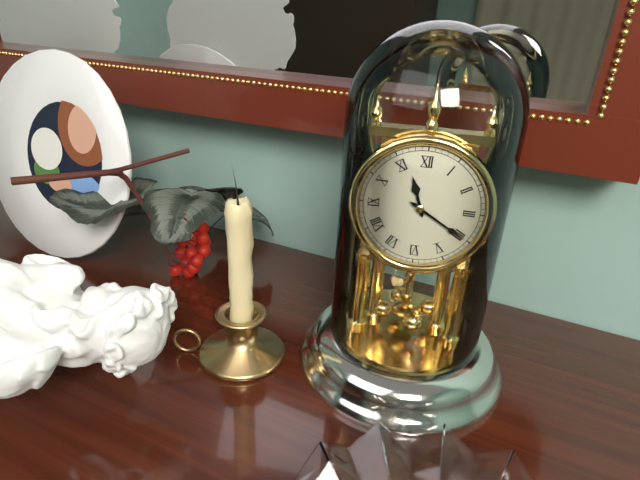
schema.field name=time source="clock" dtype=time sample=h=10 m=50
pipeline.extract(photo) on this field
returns h=11 m=20
